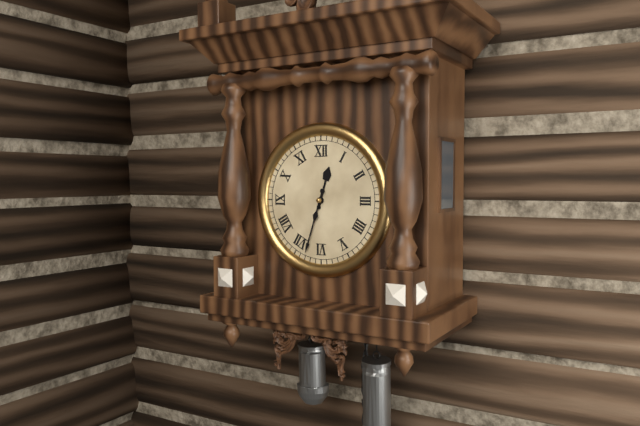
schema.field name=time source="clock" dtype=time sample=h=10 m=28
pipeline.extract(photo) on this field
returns h=12 m=33
